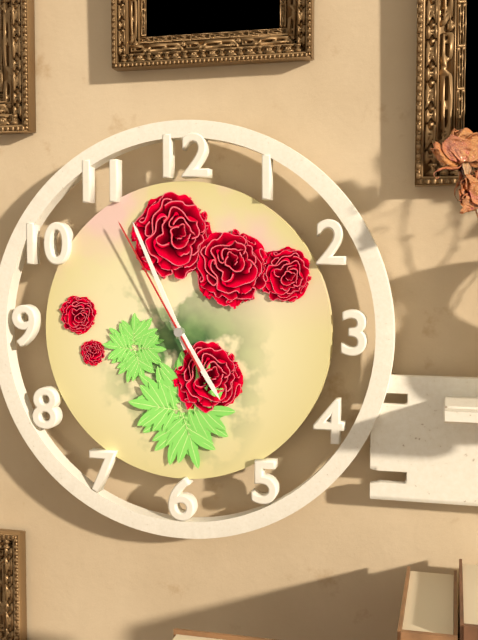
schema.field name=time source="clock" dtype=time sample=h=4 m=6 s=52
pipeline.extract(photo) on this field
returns h=4 m=56 s=55
